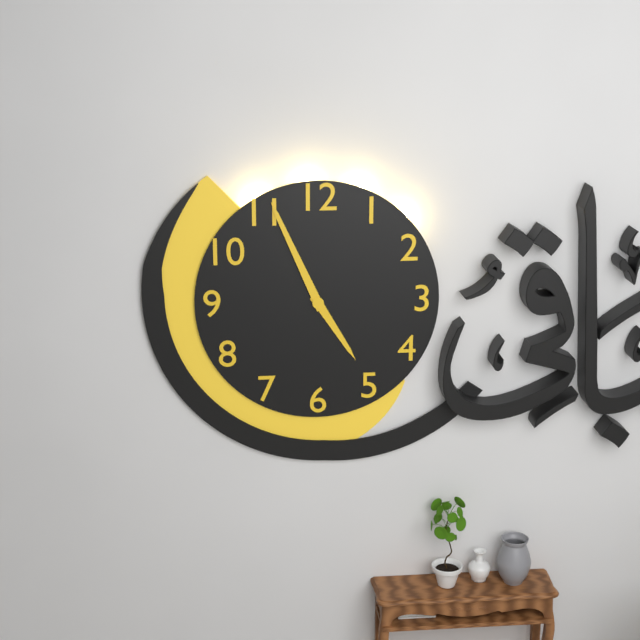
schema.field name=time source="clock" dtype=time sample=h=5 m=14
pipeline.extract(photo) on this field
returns h=4 m=56
